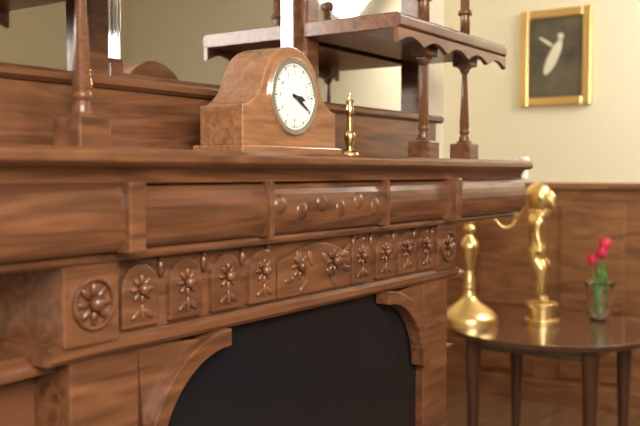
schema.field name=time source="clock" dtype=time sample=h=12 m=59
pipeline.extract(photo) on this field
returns h=3 m=20
